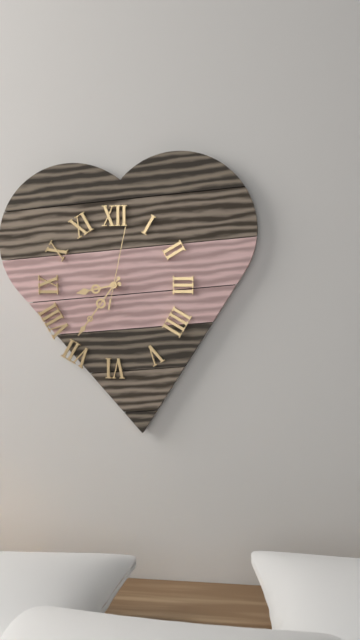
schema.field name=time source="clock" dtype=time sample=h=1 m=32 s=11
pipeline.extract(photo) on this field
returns h=8 m=36 s=2
